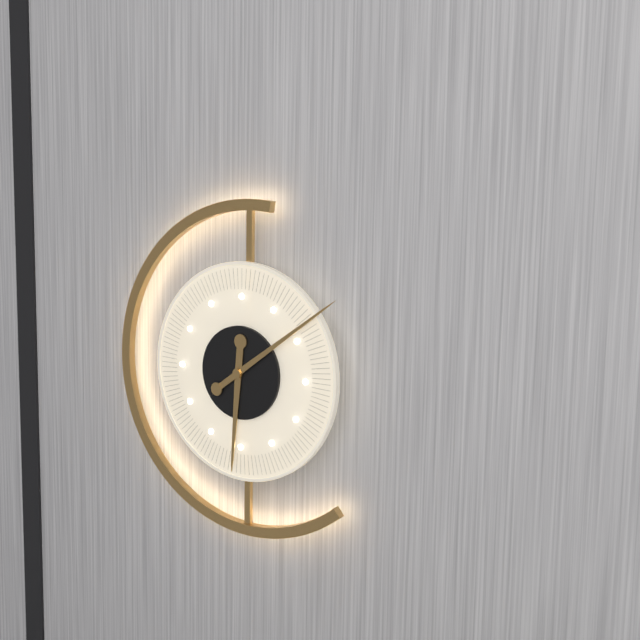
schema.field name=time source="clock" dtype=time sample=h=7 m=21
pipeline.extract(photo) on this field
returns h=6 m=9
